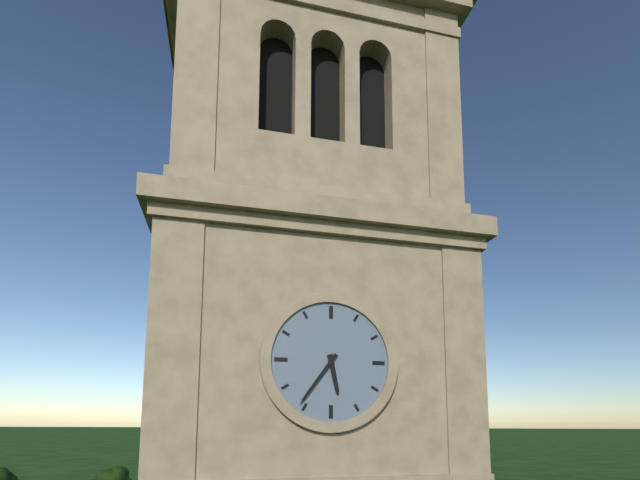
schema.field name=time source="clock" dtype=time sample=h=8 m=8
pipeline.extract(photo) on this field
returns h=5 m=36
